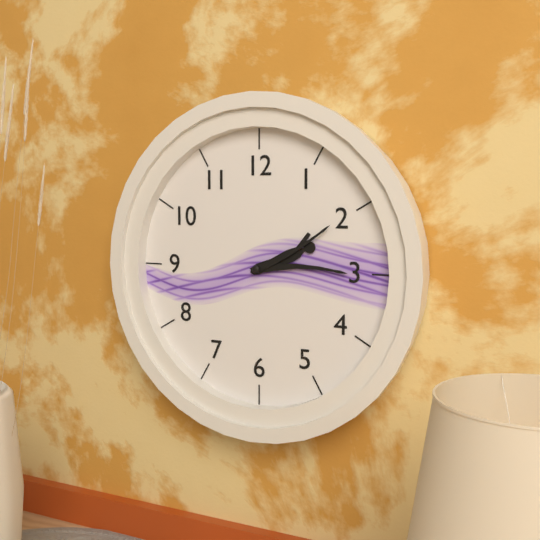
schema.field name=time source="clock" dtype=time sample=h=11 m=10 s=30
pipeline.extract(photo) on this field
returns h=2 m=15 s=10
